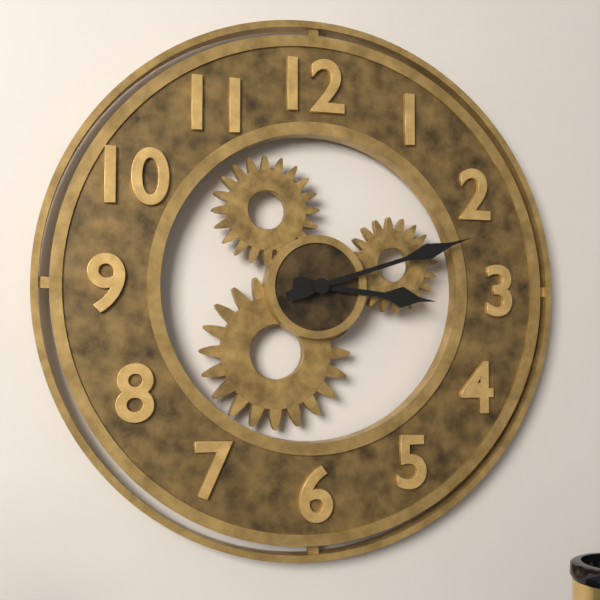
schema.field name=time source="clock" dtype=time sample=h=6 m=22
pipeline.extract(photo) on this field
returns h=3 m=12
